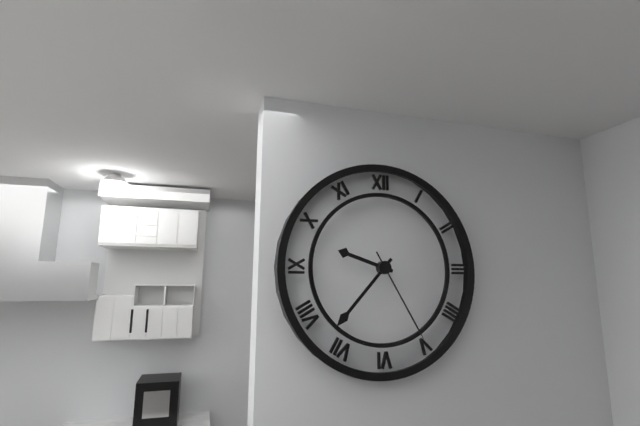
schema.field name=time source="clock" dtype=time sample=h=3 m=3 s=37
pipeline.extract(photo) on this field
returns h=9 m=37 s=25
